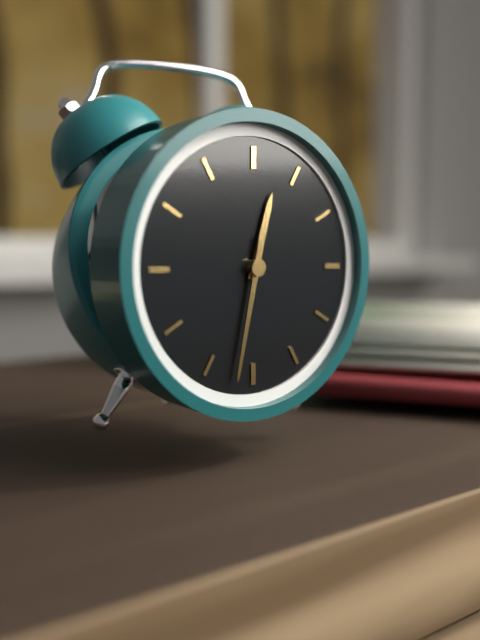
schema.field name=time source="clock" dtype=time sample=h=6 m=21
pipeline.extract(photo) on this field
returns h=12 m=32
